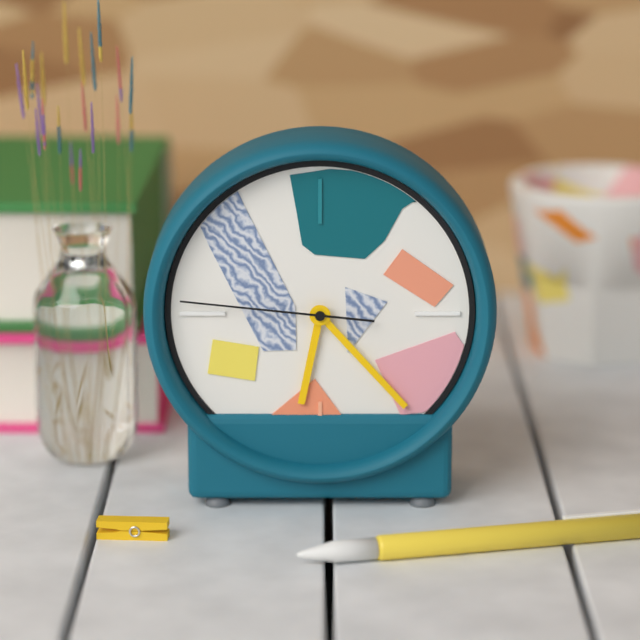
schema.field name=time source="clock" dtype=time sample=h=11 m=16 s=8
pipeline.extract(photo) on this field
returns h=6 m=23 s=46
